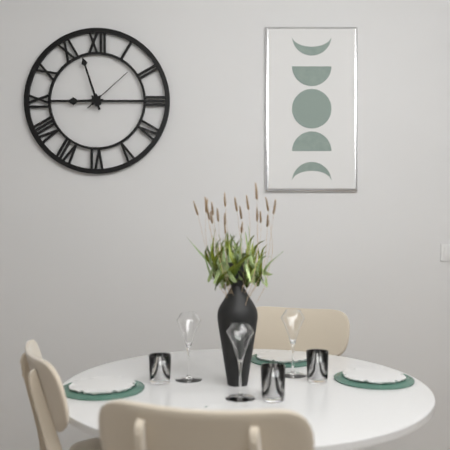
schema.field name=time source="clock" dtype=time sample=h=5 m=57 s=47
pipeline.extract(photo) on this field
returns h=8 m=57 s=8
